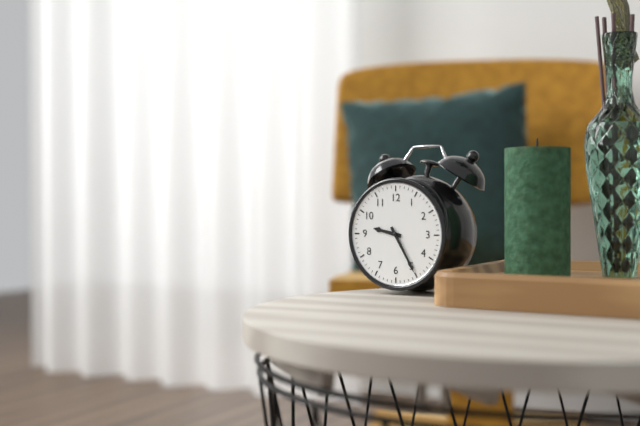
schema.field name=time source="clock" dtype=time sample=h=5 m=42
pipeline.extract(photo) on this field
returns h=9 m=25
